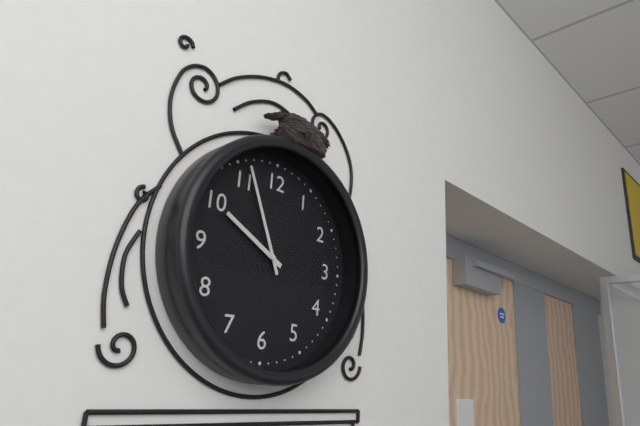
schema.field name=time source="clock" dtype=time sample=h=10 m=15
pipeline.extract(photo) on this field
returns h=9 m=56
